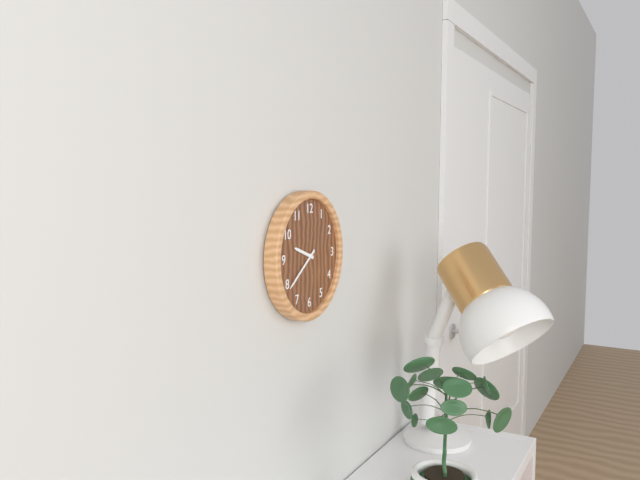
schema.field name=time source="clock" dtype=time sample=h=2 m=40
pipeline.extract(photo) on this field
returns h=9 m=39
